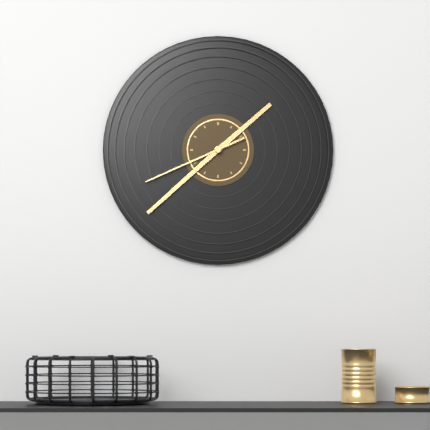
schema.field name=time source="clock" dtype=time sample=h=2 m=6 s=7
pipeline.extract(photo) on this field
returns h=1 m=38 s=41
